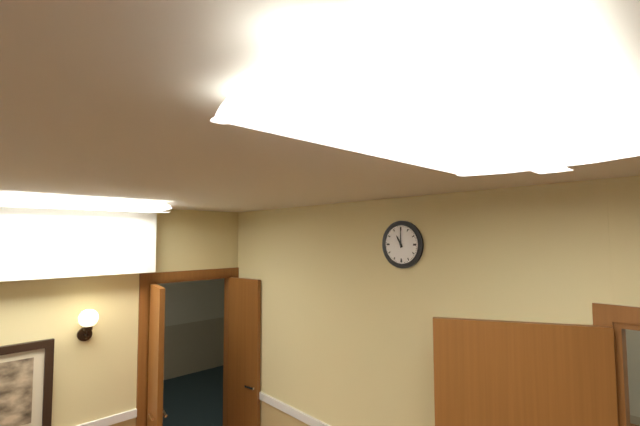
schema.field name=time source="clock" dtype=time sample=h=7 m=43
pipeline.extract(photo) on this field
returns h=11 m=0
